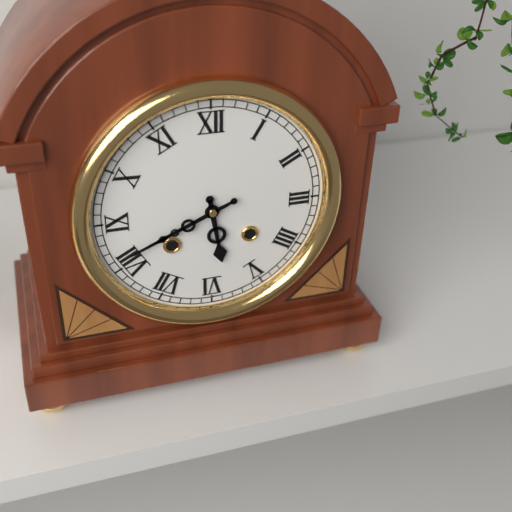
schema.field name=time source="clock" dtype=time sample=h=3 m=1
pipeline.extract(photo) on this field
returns h=5 m=41
